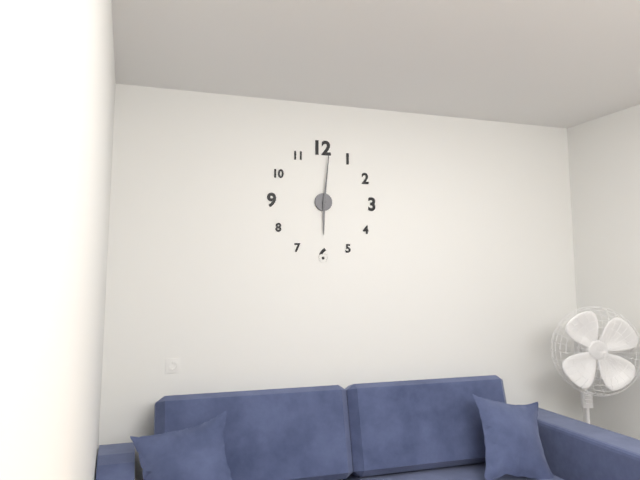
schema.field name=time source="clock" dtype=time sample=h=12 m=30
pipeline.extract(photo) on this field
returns h=6 m=1
